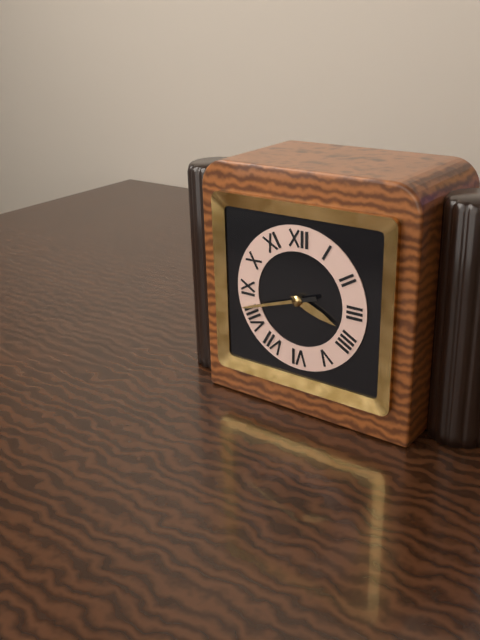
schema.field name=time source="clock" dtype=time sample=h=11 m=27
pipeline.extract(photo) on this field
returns h=3 m=42
